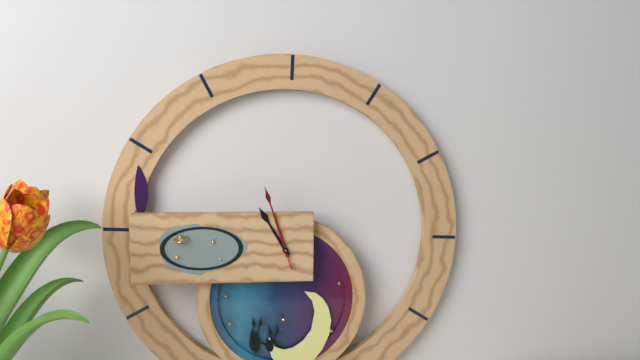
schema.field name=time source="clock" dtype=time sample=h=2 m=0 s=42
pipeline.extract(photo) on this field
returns h=10 m=57 s=57
